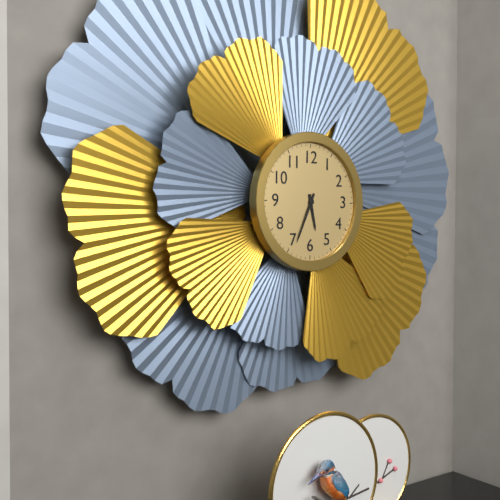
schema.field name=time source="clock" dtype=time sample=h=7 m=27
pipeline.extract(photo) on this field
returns h=5 m=34
